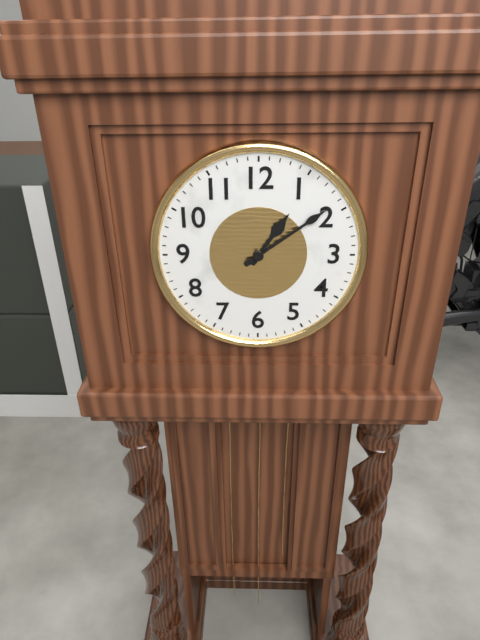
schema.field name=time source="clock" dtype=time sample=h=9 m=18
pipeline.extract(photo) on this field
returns h=1 m=9
